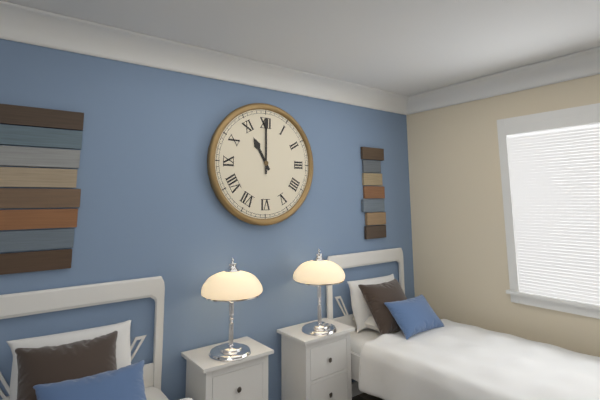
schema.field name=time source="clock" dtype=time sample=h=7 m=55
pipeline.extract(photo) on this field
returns h=11 m=0
